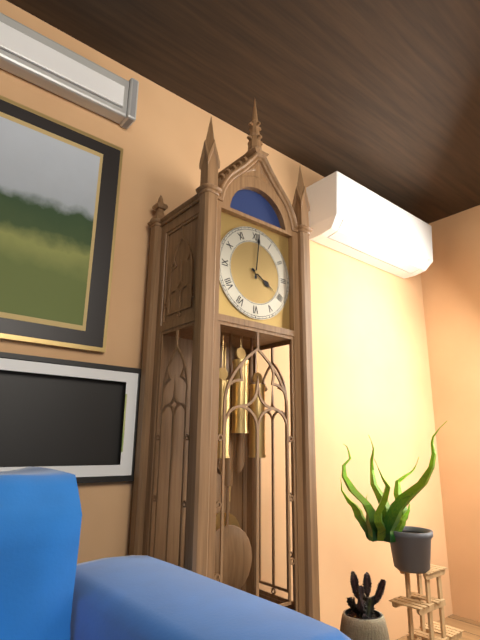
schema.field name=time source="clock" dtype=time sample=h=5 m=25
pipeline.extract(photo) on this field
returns h=4 m=1
